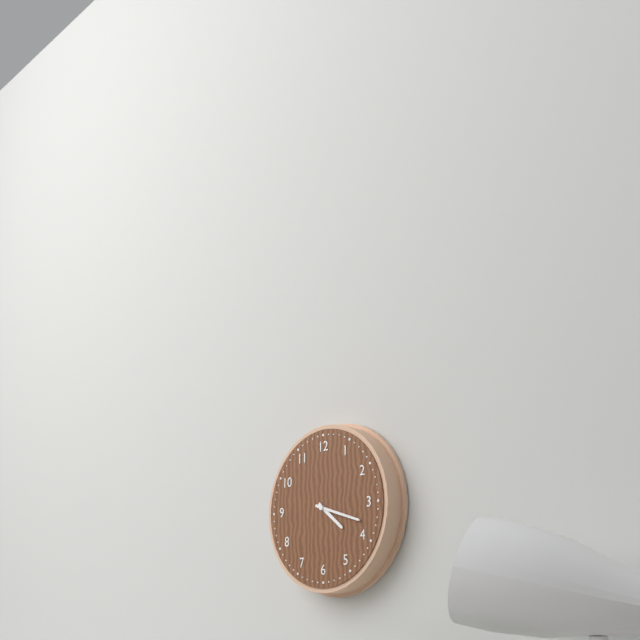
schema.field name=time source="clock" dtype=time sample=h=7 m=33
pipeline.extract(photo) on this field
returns h=4 m=18
